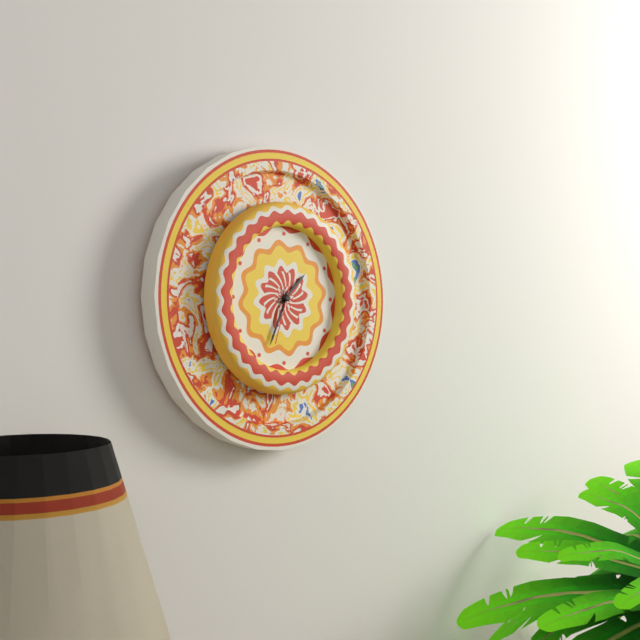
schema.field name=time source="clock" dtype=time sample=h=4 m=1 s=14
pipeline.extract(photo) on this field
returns h=1 m=34 s=33
